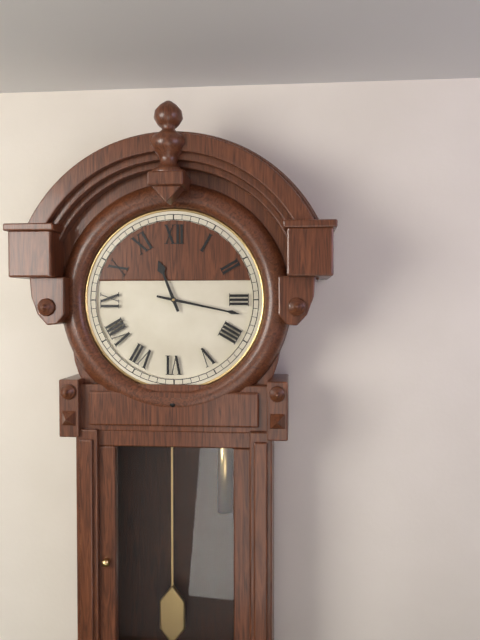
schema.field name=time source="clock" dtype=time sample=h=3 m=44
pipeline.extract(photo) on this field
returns h=11 m=17
